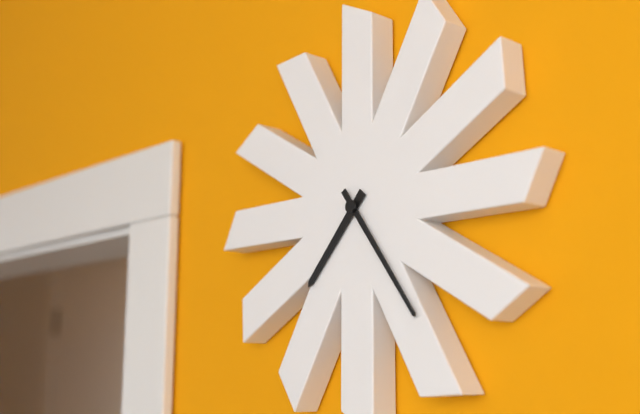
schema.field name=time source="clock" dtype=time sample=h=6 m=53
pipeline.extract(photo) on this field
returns h=7 m=24
